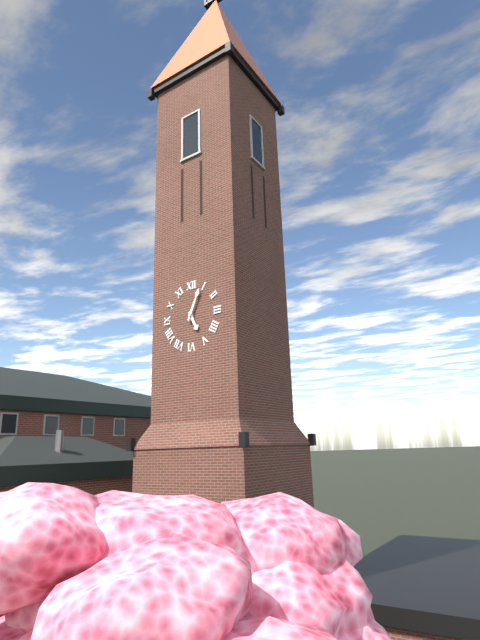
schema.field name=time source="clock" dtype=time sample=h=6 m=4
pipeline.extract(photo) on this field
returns h=5 m=4
